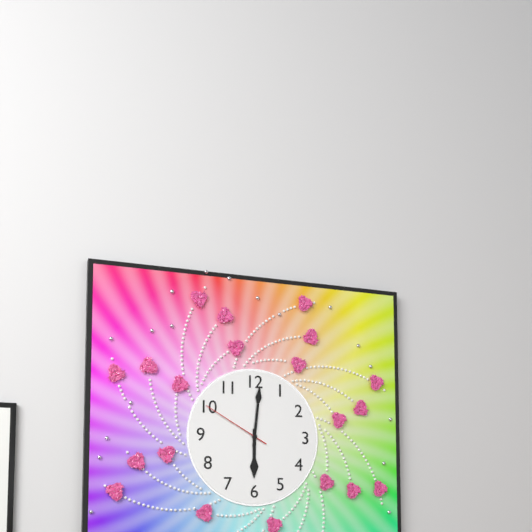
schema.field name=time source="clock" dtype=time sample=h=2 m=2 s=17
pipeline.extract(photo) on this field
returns h=6 m=1 s=50
